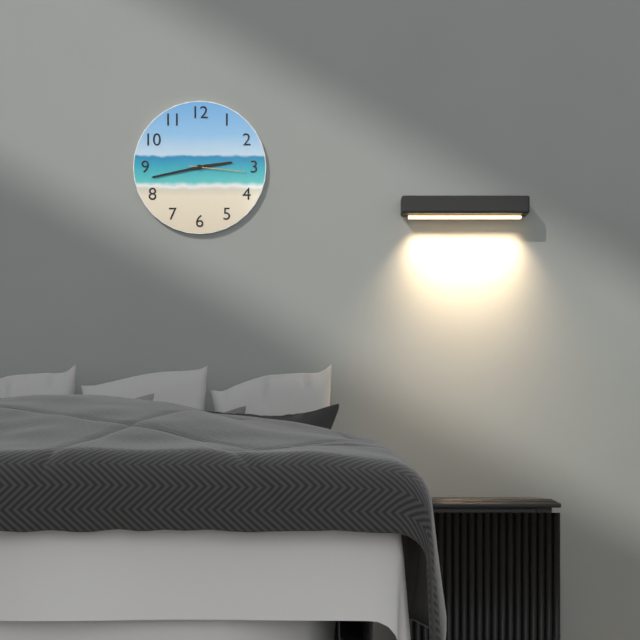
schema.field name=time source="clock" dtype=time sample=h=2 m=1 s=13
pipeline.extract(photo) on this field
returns h=2 m=43 s=16
